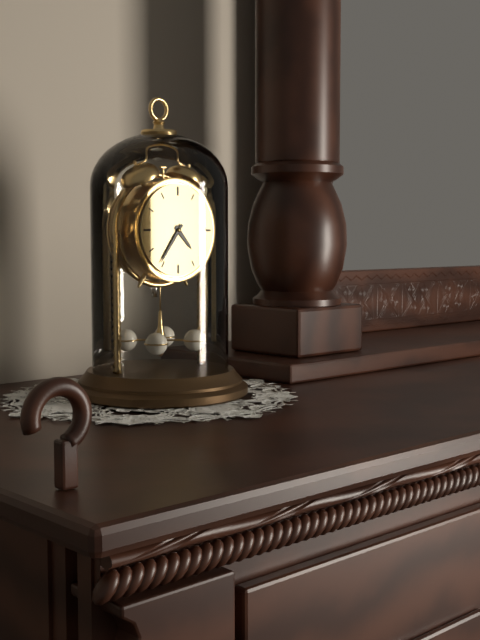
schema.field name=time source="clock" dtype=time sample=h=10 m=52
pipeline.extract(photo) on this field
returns h=4 m=36
